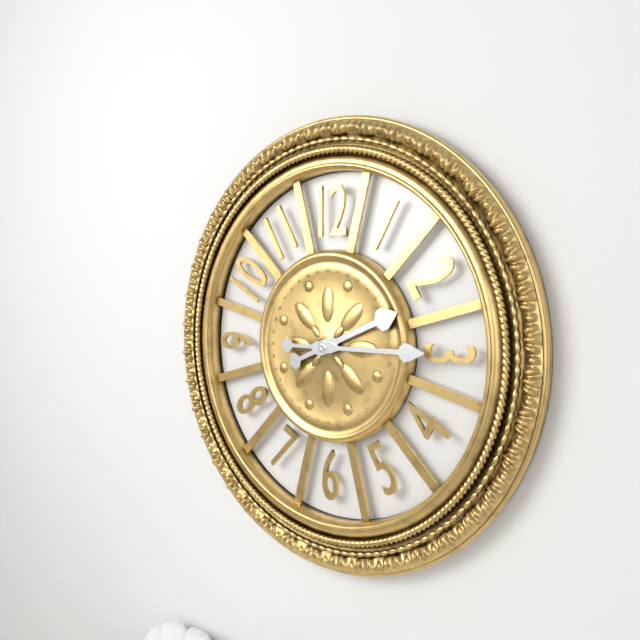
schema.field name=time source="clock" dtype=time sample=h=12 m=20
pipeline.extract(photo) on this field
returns h=2 m=15
